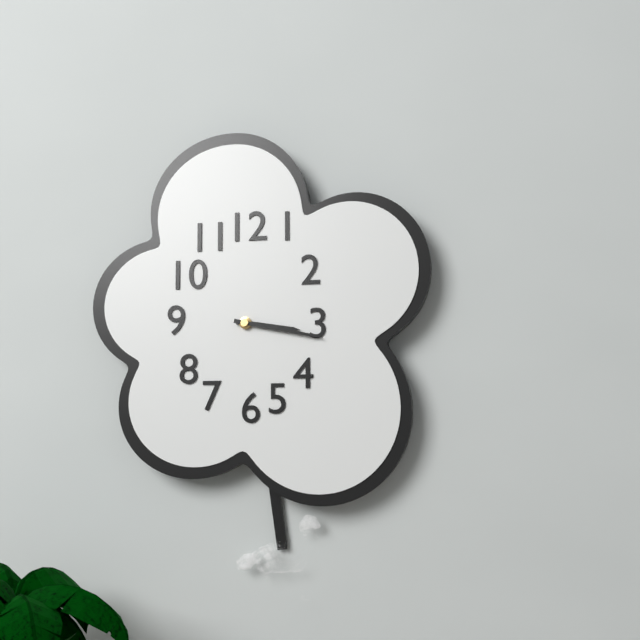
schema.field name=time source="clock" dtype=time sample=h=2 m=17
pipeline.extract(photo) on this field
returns h=3 m=17
